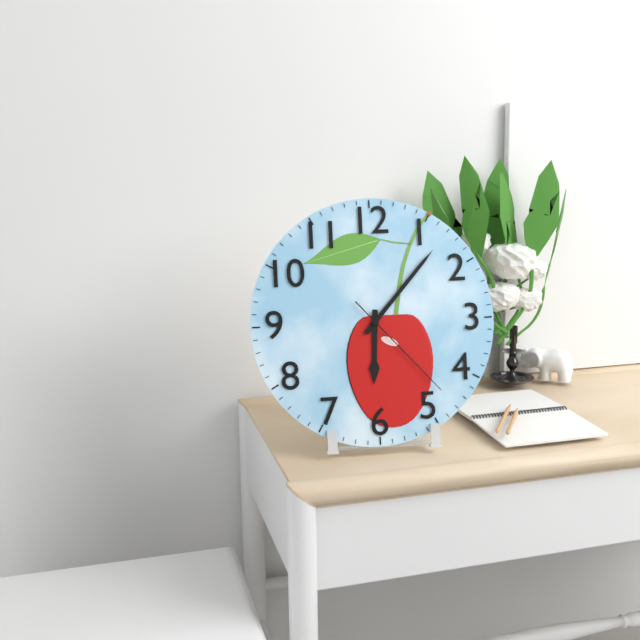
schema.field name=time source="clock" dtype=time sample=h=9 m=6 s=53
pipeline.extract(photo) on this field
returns h=6 m=7 s=23
